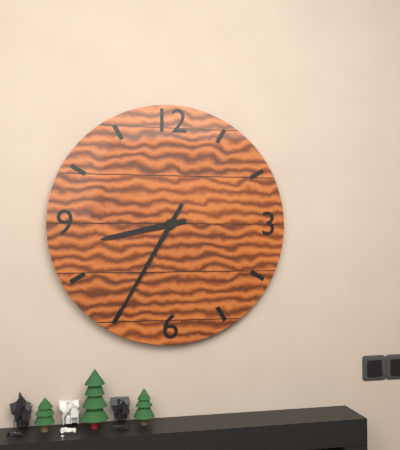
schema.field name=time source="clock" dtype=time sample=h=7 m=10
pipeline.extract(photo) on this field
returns h=8 m=35
